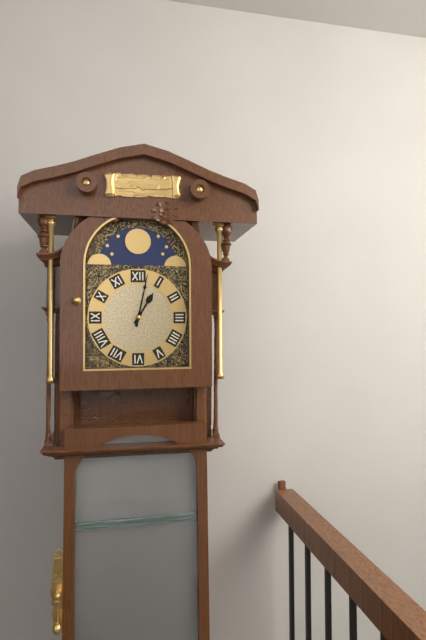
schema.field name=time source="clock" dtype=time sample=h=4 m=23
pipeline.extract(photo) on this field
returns h=1 m=2
